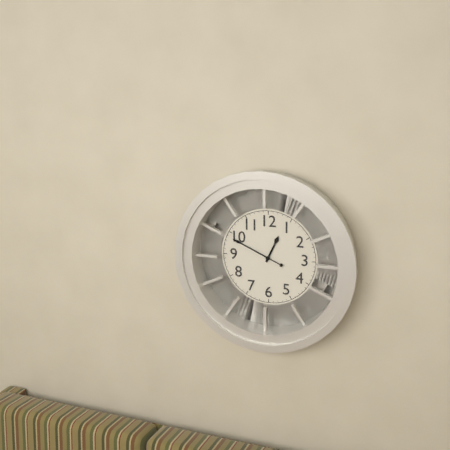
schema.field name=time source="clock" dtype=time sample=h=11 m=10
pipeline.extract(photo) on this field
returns h=12 m=49
